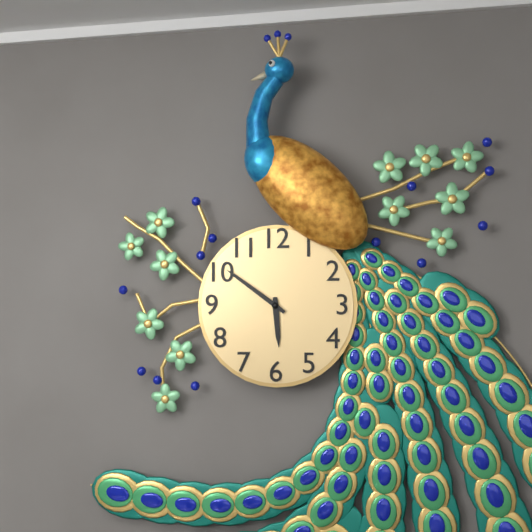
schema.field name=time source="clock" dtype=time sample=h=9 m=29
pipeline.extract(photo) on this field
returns h=5 m=51
